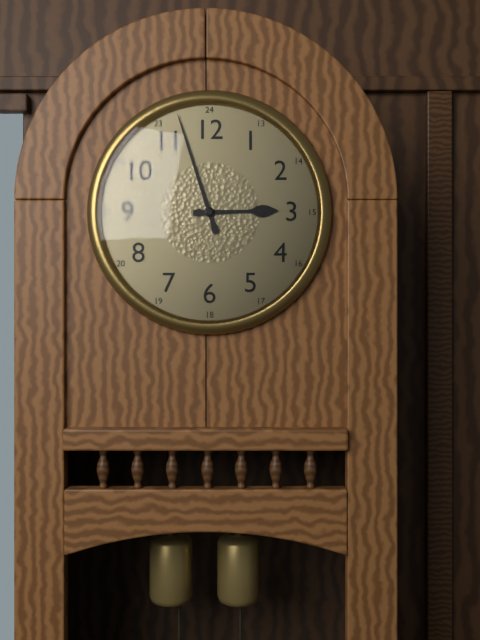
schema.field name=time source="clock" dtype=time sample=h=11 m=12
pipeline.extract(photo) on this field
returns h=2 m=57
